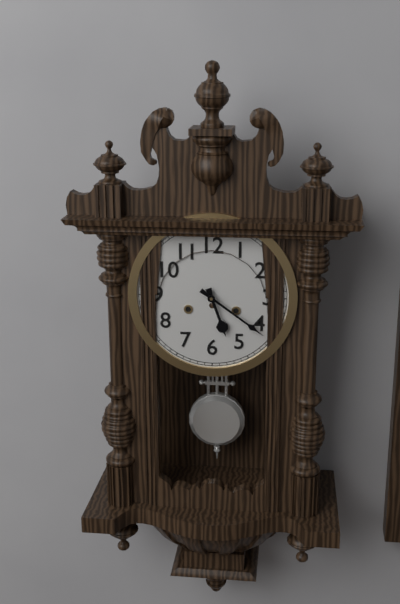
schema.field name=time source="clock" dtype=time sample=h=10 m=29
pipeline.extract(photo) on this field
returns h=5 m=21
